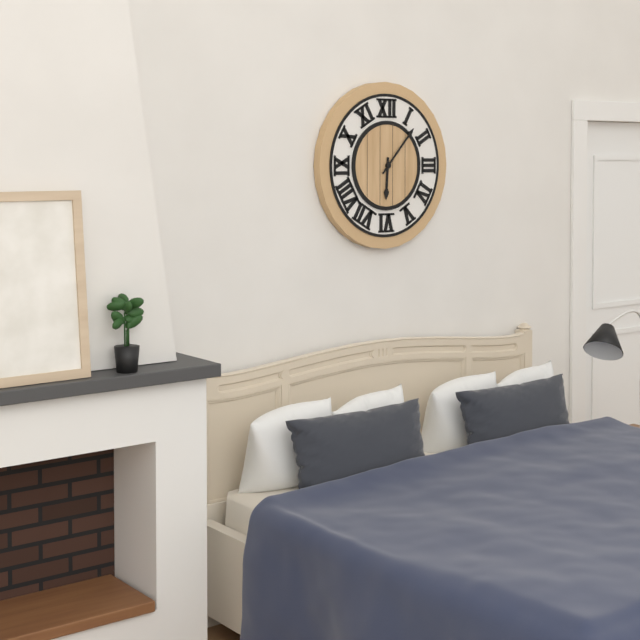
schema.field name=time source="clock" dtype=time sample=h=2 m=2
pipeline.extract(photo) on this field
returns h=6 m=7
